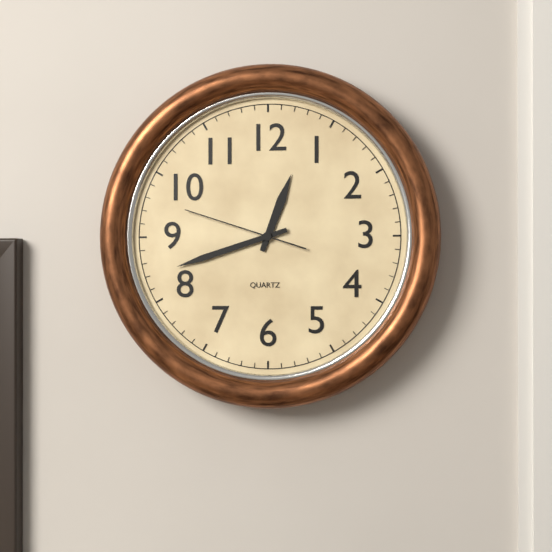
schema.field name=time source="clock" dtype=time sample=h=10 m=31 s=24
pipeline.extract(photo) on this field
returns h=12 m=42 s=48
